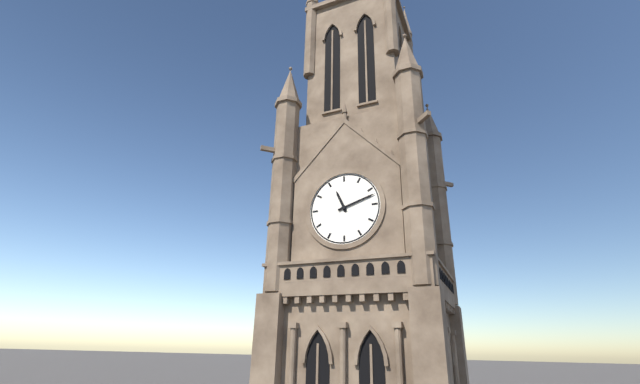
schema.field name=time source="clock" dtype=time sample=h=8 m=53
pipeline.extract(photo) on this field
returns h=11 m=12
